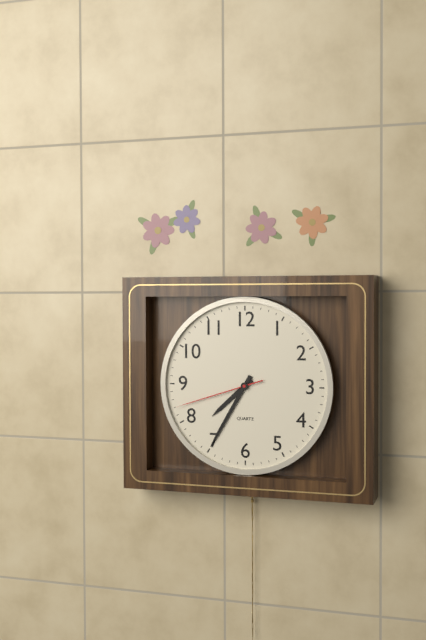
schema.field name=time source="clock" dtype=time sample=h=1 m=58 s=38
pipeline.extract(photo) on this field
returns h=7 m=35 s=42
